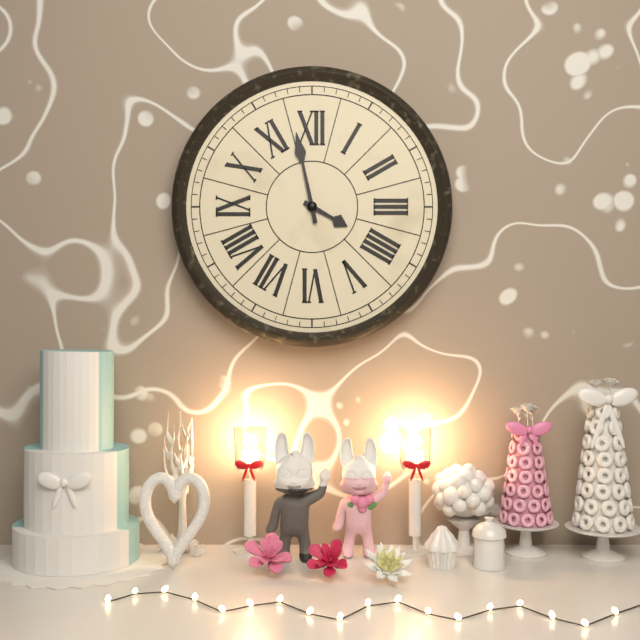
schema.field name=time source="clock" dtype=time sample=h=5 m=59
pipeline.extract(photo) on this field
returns h=3 m=58
